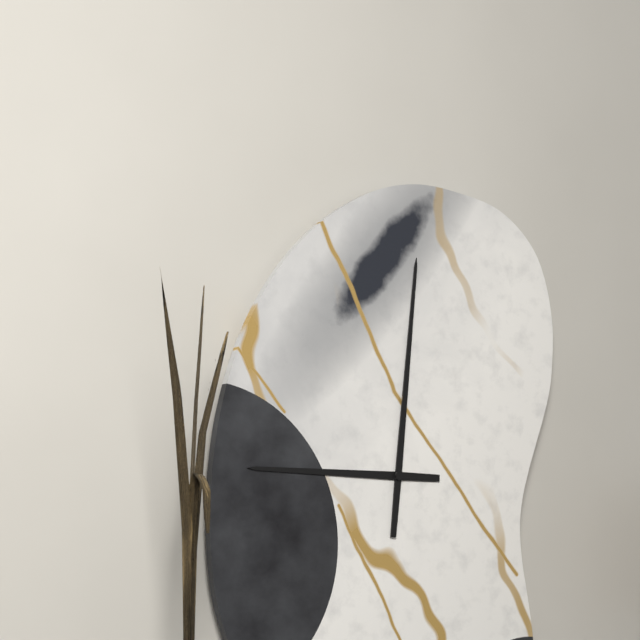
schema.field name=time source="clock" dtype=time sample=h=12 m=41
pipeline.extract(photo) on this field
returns h=9 m=1
